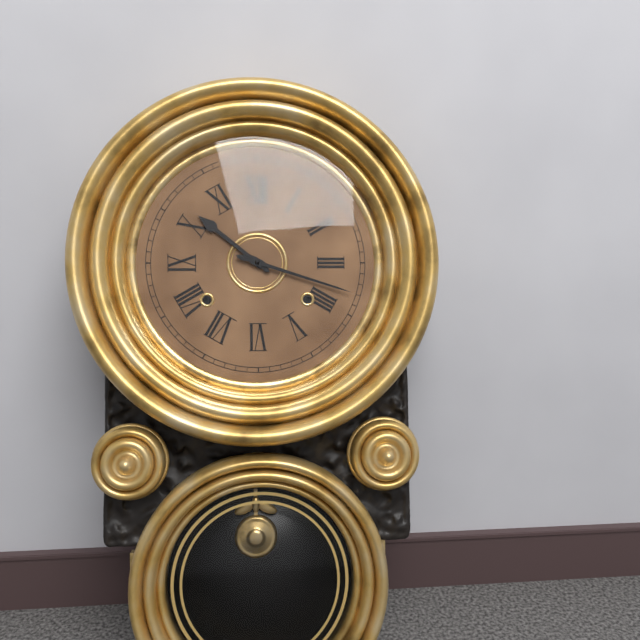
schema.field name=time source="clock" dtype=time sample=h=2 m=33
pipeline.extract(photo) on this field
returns h=10 m=18
